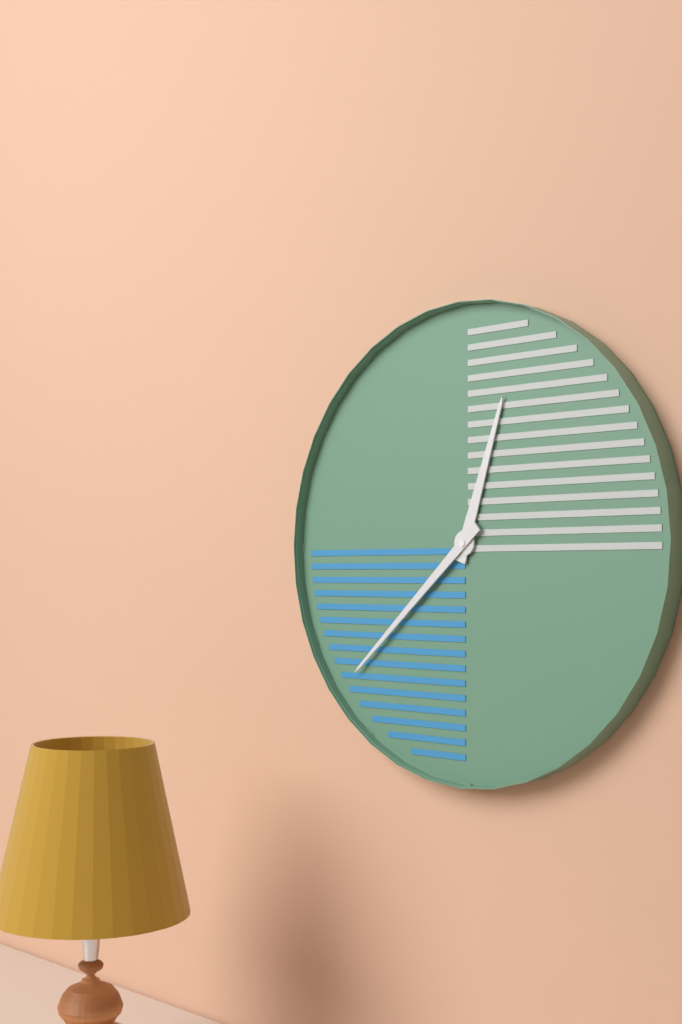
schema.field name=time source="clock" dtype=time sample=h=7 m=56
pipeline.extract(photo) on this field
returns h=12 m=38
